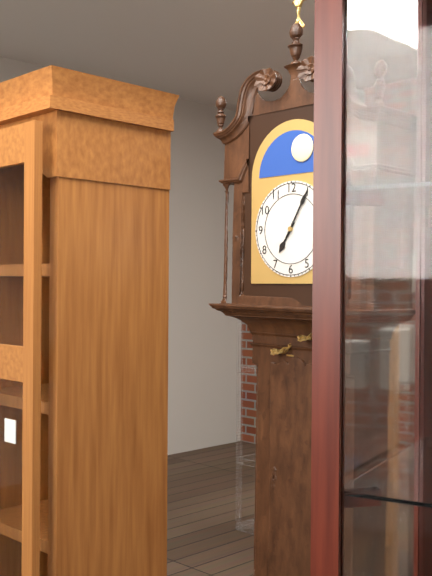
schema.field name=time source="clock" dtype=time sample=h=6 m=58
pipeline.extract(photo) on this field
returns h=7 m=5
